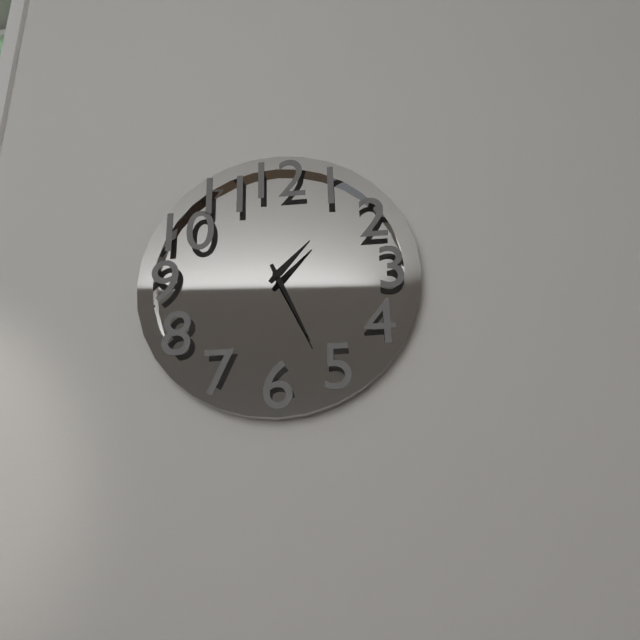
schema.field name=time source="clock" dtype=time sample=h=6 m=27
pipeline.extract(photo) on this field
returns h=1 m=26
